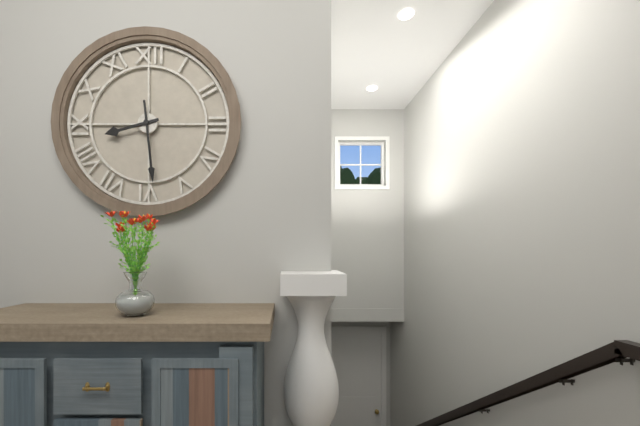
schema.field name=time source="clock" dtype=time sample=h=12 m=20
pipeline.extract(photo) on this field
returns h=8 m=29
